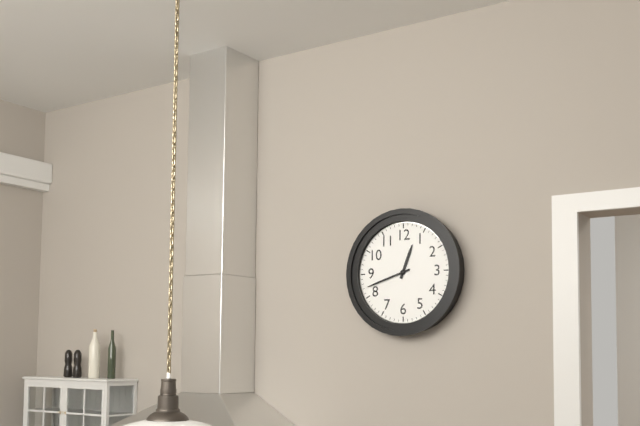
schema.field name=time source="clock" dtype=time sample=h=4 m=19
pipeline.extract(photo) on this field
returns h=12 m=42
